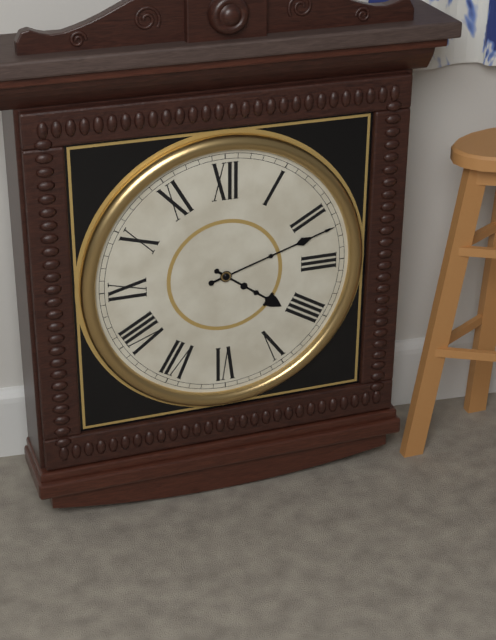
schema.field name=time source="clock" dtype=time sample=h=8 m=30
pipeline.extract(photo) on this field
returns h=4 m=12
